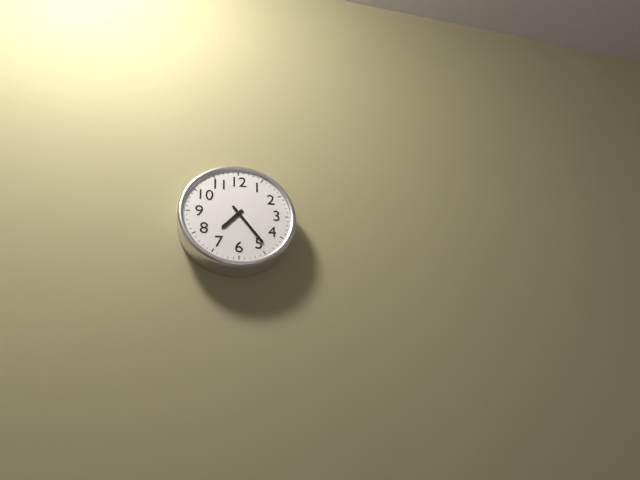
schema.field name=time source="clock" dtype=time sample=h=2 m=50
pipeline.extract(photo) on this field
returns h=7 m=24
